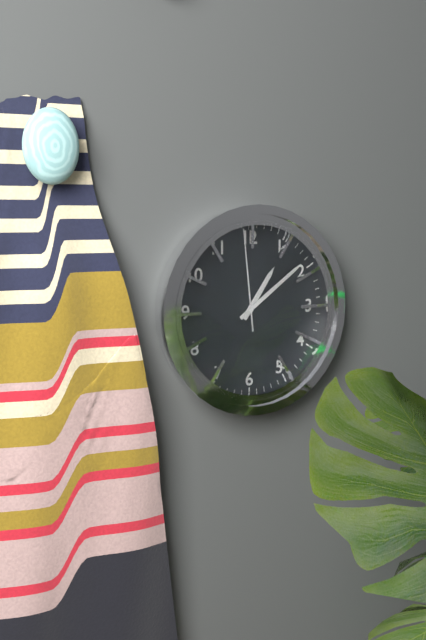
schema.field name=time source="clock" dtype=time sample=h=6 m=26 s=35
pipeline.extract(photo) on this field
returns h=1 m=9 s=59
